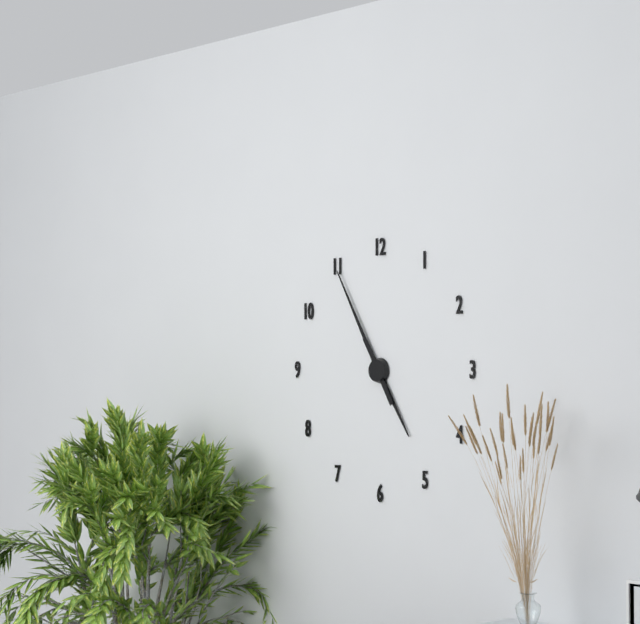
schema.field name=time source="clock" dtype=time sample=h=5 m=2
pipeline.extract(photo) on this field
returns h=4 m=55
